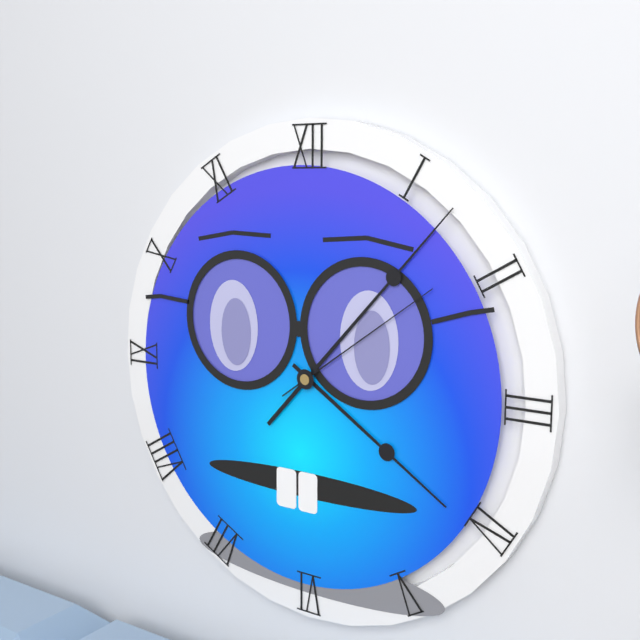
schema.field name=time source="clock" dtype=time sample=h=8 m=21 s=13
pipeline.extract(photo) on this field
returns h=4 m=7 s=9
